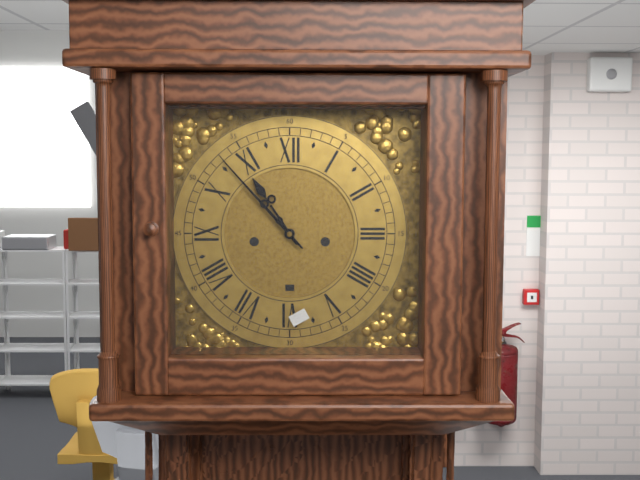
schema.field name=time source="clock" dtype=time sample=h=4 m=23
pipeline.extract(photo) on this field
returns h=10 m=53
